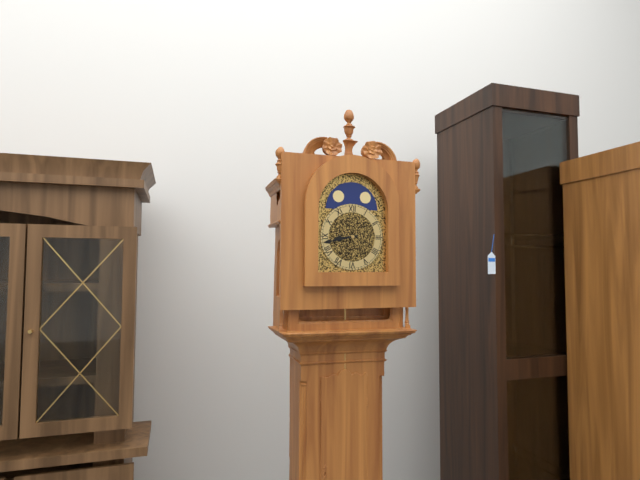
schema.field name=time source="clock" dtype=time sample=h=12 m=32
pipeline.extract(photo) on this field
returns h=8 m=43
